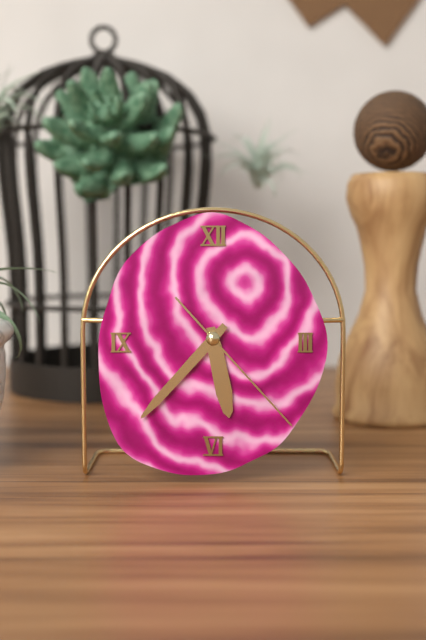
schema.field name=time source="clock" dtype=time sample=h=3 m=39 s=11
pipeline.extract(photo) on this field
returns h=5 m=37 s=23
